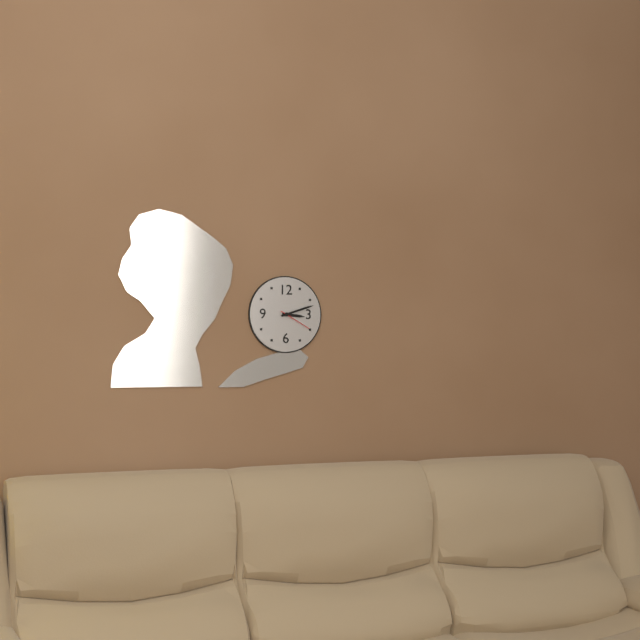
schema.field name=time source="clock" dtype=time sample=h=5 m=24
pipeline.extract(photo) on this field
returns h=3 m=12
